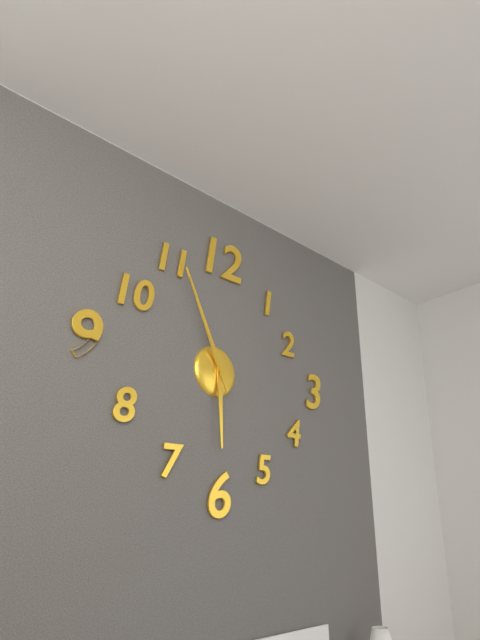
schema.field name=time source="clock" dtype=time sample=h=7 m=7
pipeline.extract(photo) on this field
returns h=5 m=56
